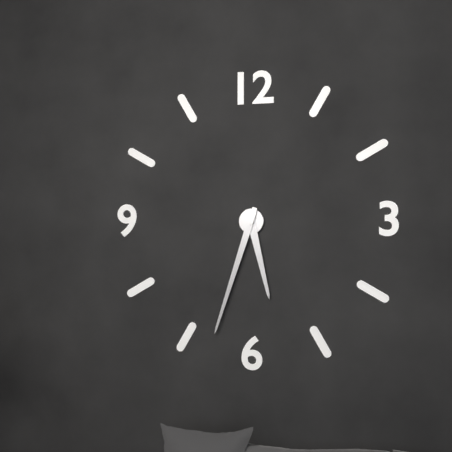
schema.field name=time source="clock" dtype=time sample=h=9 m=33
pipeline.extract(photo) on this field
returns h=5 m=33
